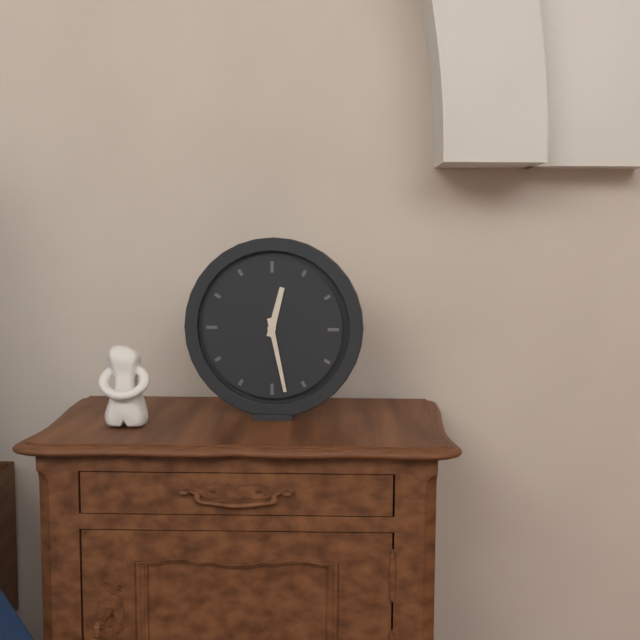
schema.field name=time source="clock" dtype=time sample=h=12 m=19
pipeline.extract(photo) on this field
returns h=12 m=28
